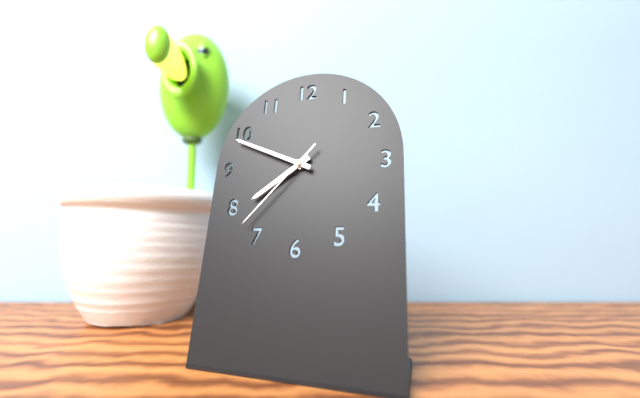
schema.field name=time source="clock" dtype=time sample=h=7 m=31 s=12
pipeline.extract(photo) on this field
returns h=7 m=49 s=37
